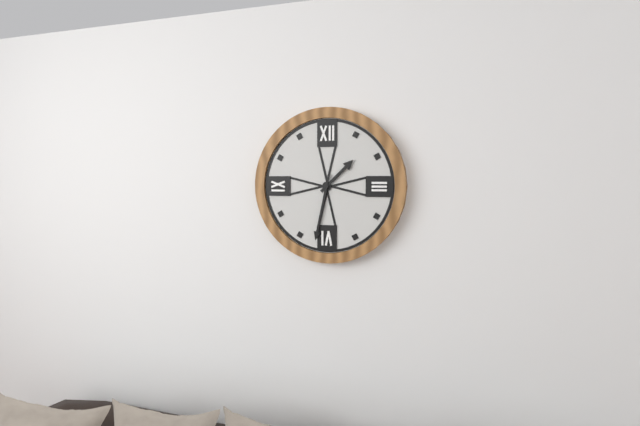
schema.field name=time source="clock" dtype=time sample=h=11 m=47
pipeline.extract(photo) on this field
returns h=1 m=32
